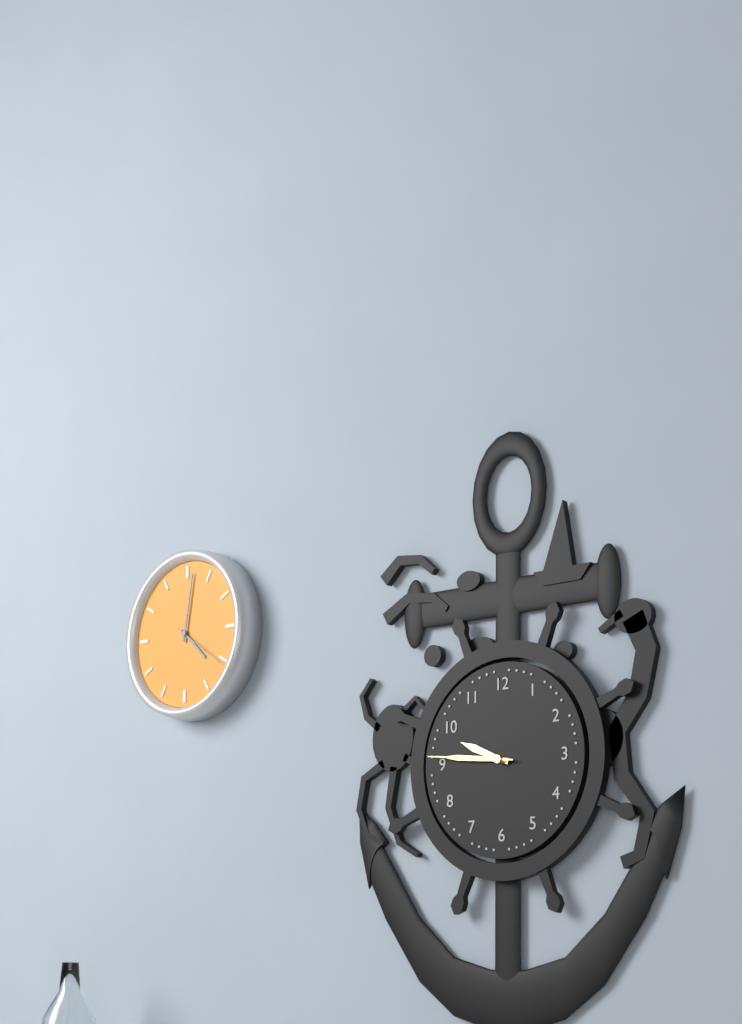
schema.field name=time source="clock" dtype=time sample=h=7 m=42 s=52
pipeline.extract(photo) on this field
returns h=9 m=46 s=46
